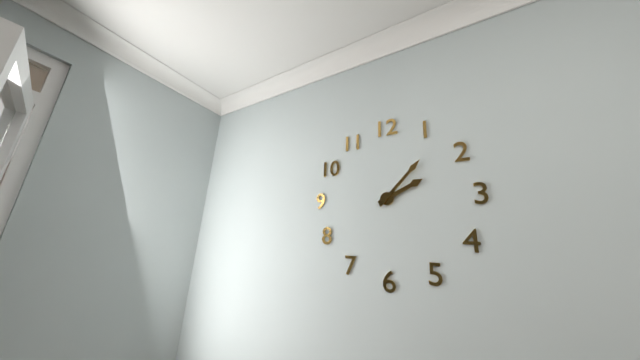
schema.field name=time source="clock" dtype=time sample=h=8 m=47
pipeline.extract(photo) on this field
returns h=2 m=7
